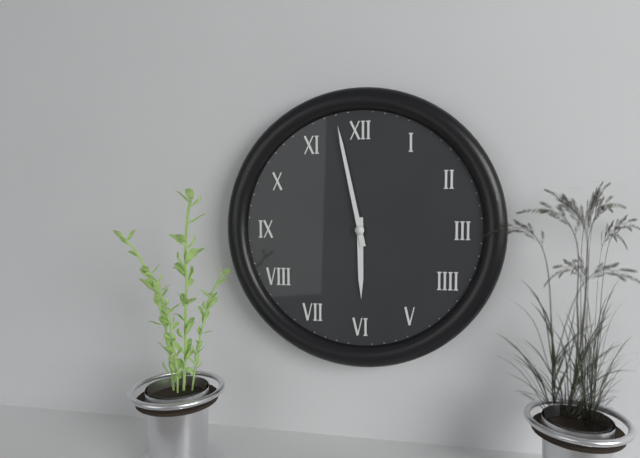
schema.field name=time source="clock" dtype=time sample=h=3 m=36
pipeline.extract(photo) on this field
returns h=5 m=58
